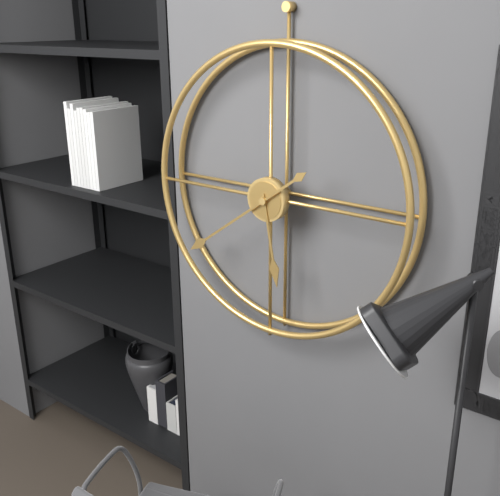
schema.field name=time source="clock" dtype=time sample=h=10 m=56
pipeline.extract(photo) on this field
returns h=5 m=39
